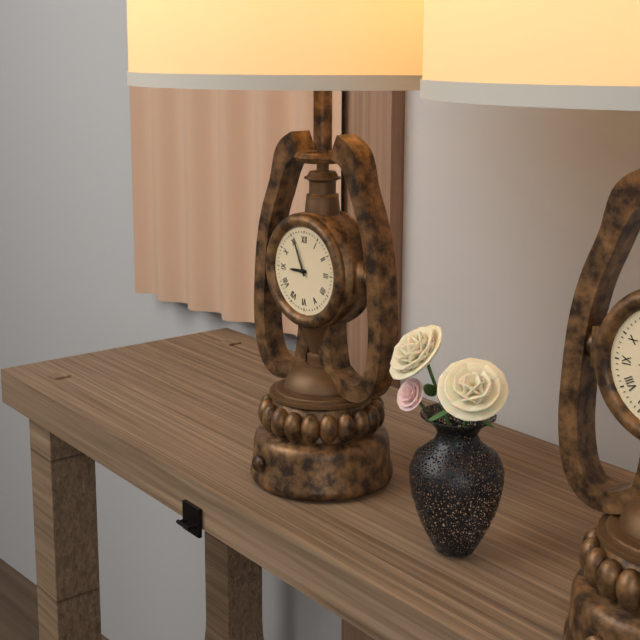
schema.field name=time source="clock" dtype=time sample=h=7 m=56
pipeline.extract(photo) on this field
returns h=8 m=56
